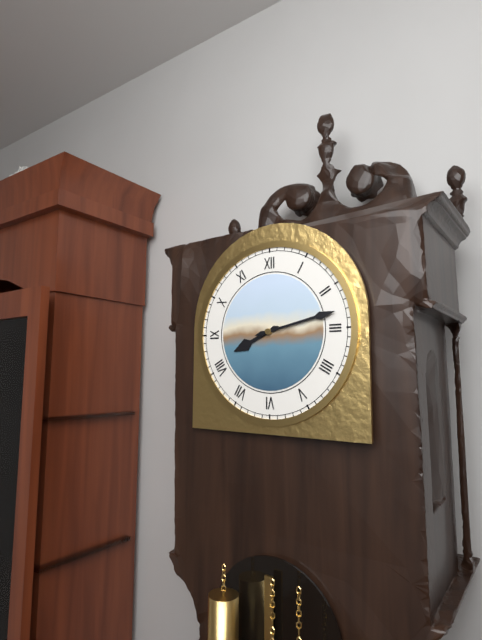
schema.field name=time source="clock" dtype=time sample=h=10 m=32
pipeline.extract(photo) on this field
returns h=8 m=13
